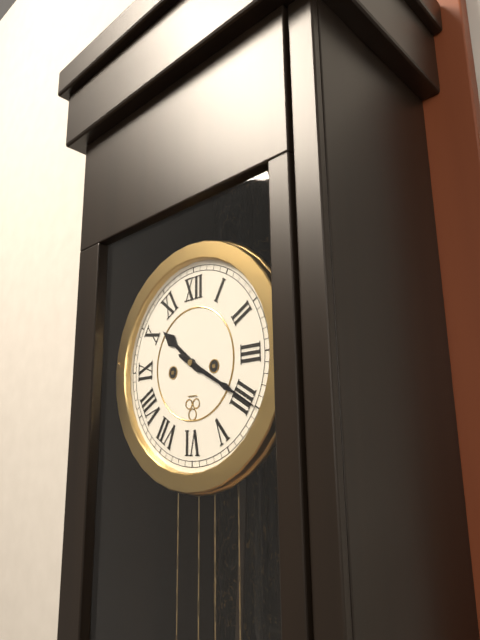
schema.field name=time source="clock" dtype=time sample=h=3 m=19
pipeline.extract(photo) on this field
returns h=10 m=20
